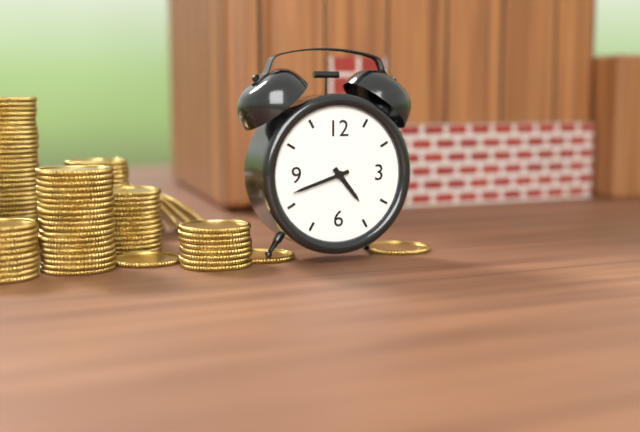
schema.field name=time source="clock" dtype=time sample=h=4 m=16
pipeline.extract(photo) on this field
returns h=4 m=42
